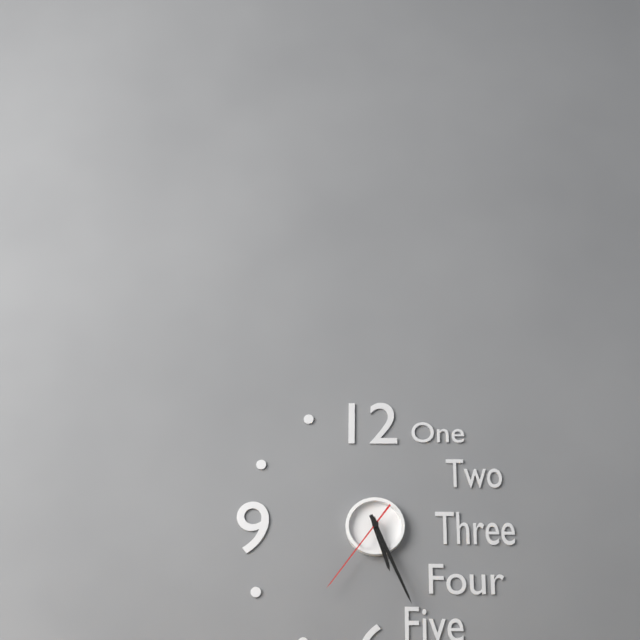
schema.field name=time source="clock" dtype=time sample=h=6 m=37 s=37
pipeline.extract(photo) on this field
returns h=5 m=26 s=36
